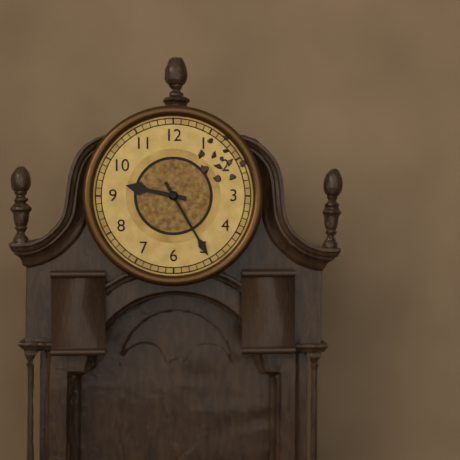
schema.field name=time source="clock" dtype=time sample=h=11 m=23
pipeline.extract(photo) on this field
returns h=9 m=25
